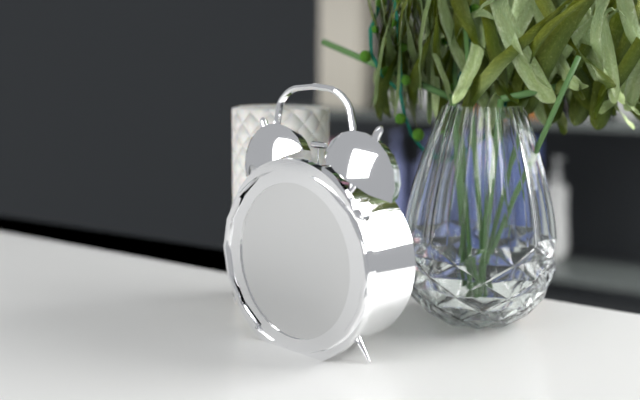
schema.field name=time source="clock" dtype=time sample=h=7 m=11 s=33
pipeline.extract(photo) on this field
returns h=5 m=35 s=43
